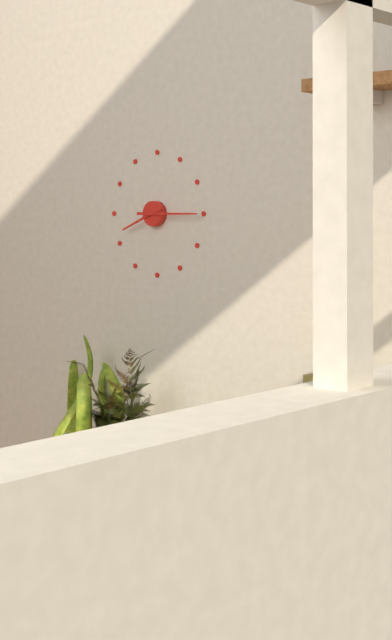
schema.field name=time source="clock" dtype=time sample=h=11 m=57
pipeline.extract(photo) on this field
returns h=8 m=15
